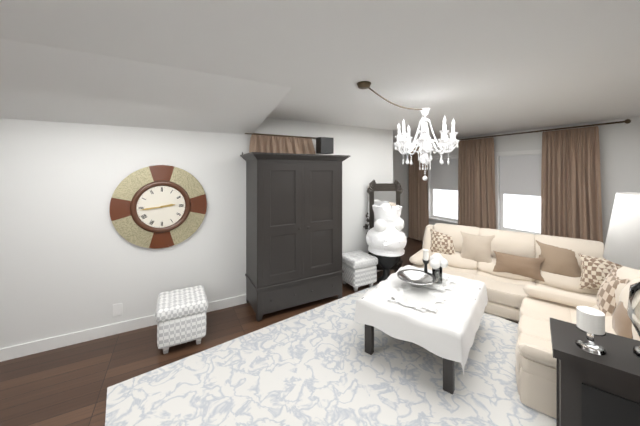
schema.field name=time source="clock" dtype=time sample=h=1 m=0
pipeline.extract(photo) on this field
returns h=2 m=44
